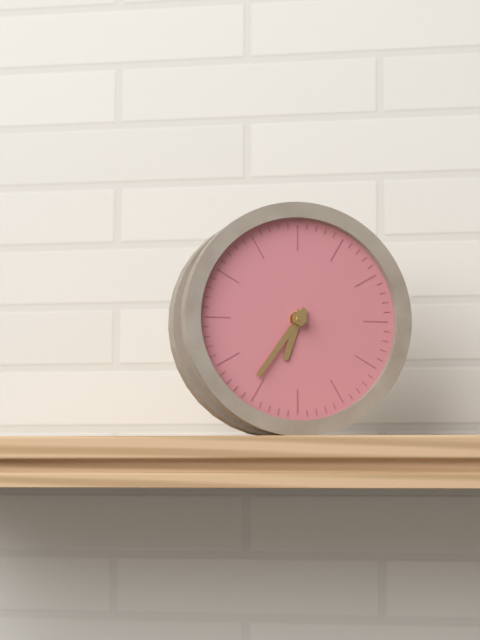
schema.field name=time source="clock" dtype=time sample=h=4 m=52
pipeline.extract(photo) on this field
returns h=6 m=36
